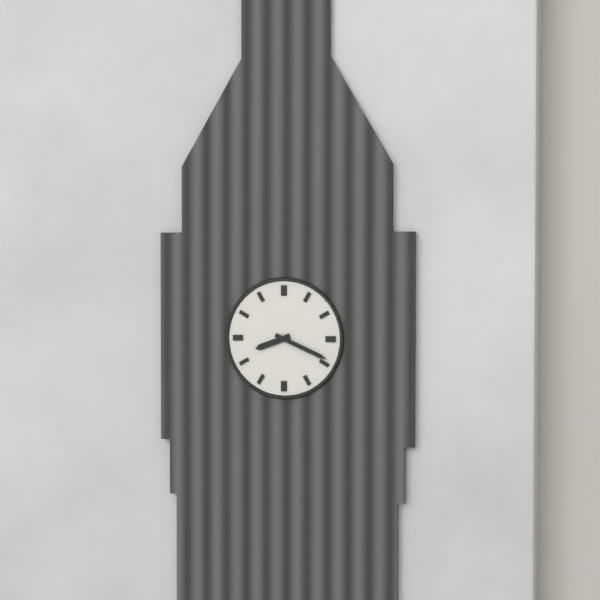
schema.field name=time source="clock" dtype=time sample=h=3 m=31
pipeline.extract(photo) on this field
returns h=8 m=19
